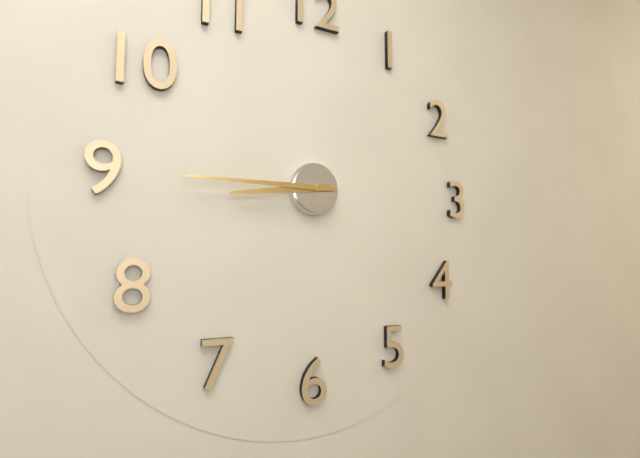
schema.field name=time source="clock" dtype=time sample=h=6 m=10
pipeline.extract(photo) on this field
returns h=8 m=45
